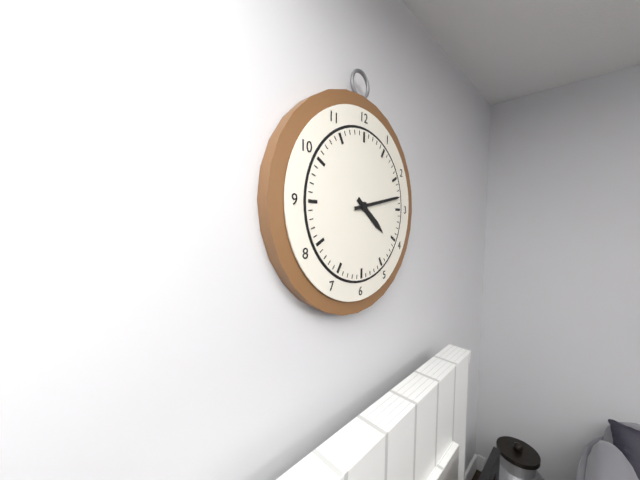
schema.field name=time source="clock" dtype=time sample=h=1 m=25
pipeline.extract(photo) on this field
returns h=4 m=13
